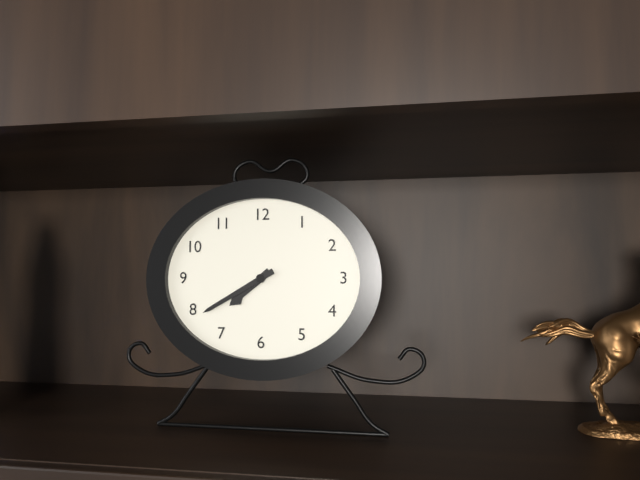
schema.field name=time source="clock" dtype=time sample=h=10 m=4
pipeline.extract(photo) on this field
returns h=7 m=40
